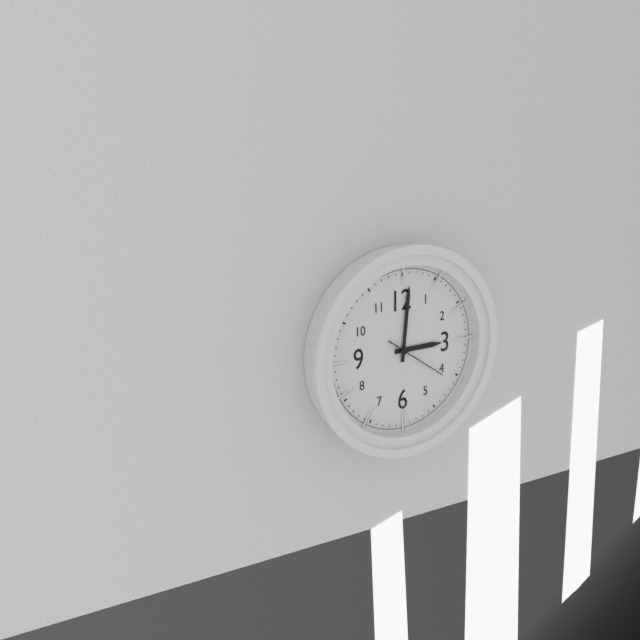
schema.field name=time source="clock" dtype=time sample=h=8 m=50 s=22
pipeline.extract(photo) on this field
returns h=3 m=1 s=21
